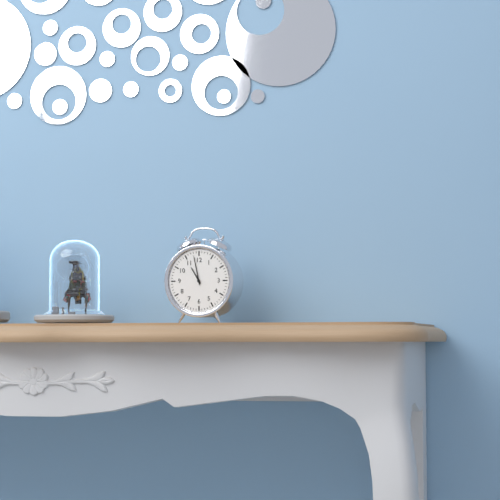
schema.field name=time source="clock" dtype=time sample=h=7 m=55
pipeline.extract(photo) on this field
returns h=10 m=58
